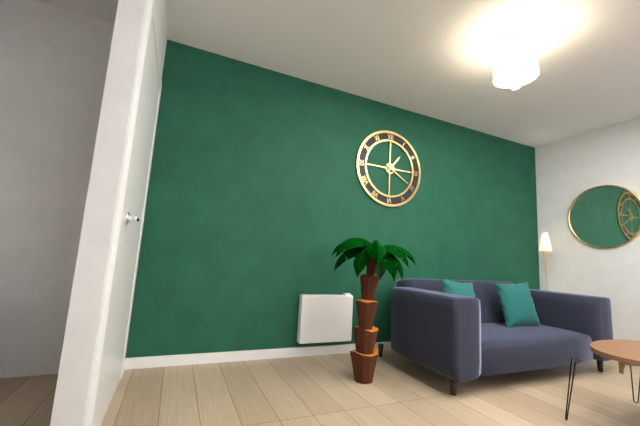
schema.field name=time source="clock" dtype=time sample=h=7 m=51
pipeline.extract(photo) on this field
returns h=1 m=20
